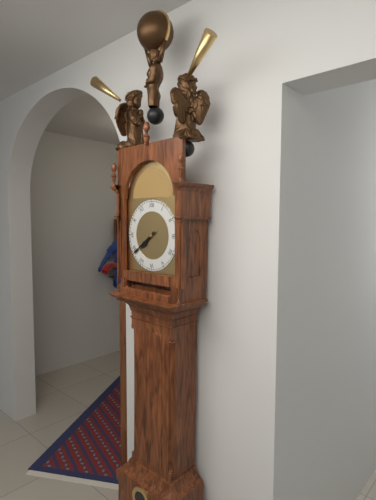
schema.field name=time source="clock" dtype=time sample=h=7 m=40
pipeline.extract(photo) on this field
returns h=7 m=39
